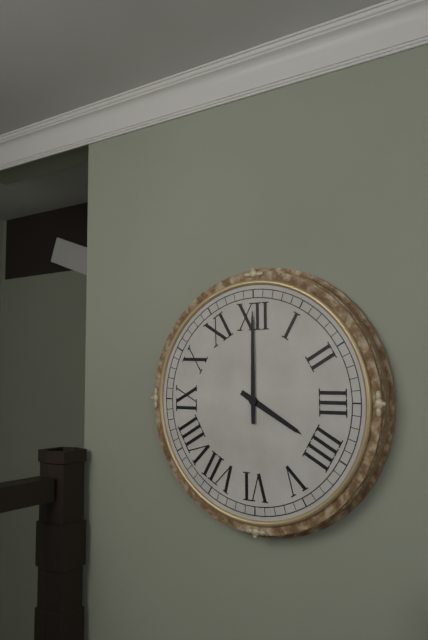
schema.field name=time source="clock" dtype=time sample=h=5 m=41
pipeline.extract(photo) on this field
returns h=4 m=0
